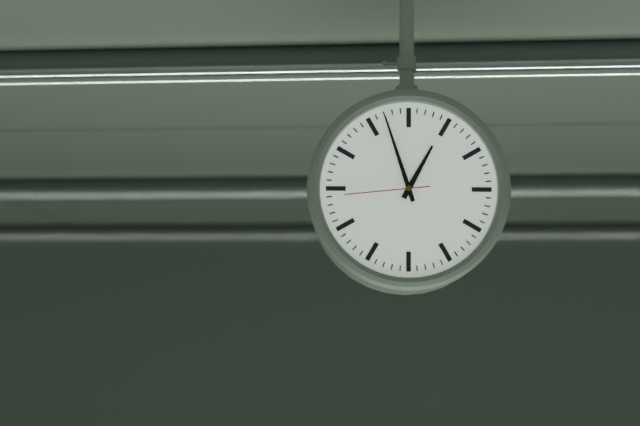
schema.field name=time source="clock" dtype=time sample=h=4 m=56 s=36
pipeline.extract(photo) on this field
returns h=12 m=57 s=44
